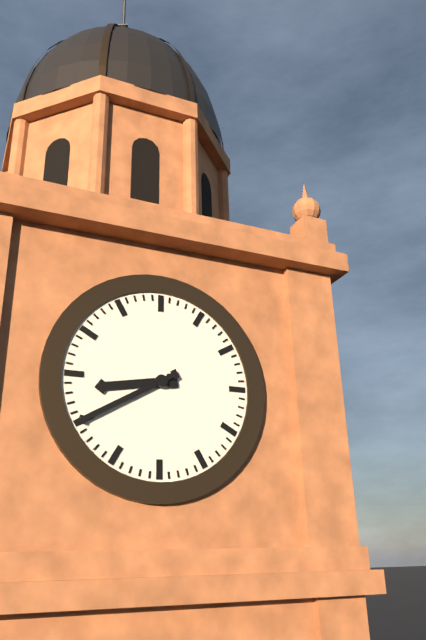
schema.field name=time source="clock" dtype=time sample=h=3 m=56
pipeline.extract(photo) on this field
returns h=8 m=40
